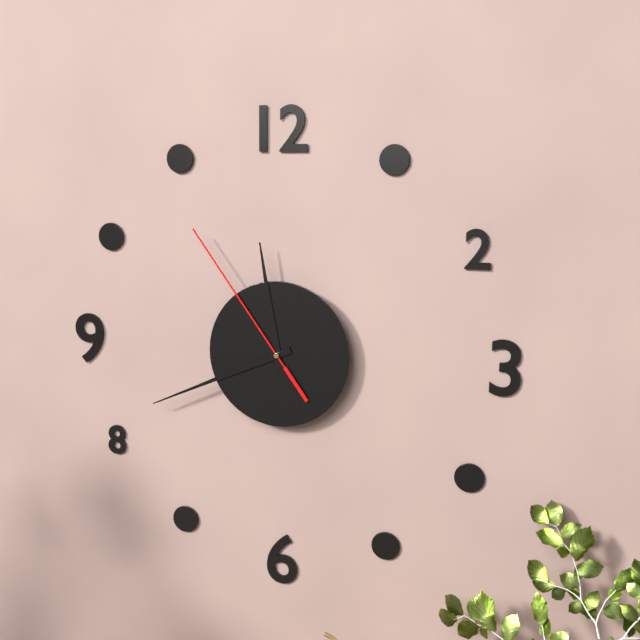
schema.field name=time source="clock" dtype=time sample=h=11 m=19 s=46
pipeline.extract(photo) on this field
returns h=11 m=41 s=54
